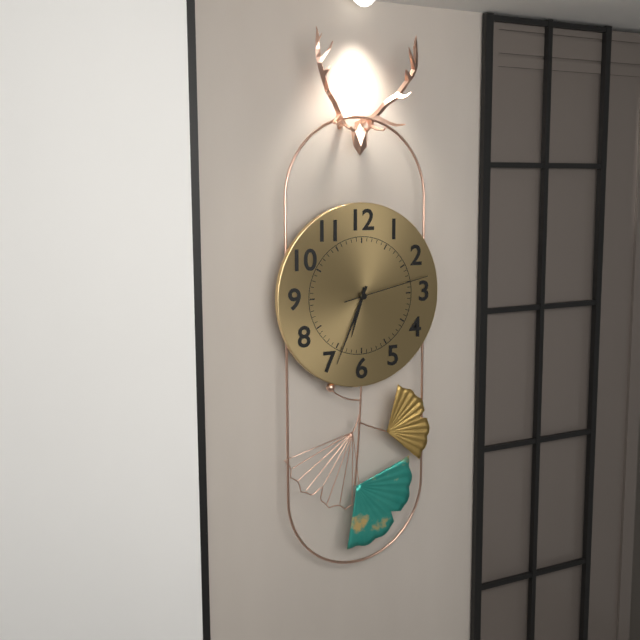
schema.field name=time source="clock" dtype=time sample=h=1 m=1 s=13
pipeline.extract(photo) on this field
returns h=6 m=34 s=13
